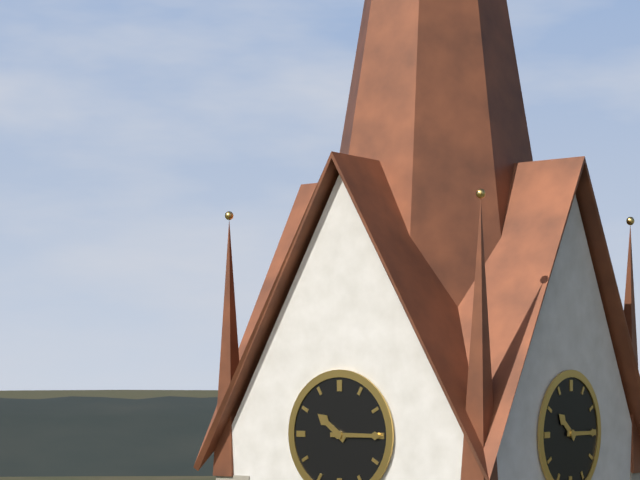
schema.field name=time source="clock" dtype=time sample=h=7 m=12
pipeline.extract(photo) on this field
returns h=10 m=15
